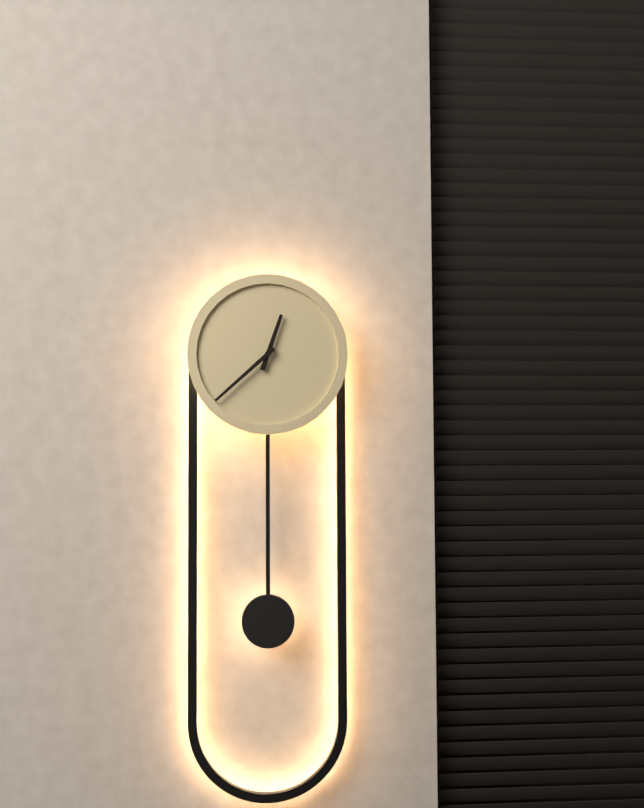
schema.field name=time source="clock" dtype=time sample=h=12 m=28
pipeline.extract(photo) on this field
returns h=12 m=38
